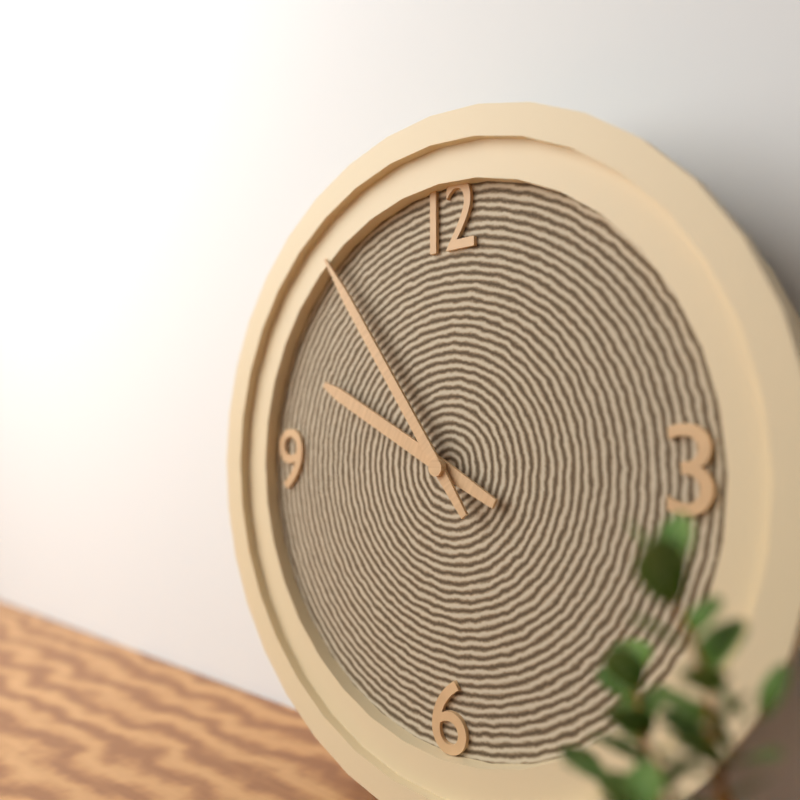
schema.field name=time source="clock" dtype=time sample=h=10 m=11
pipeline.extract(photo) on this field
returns h=9 m=54
